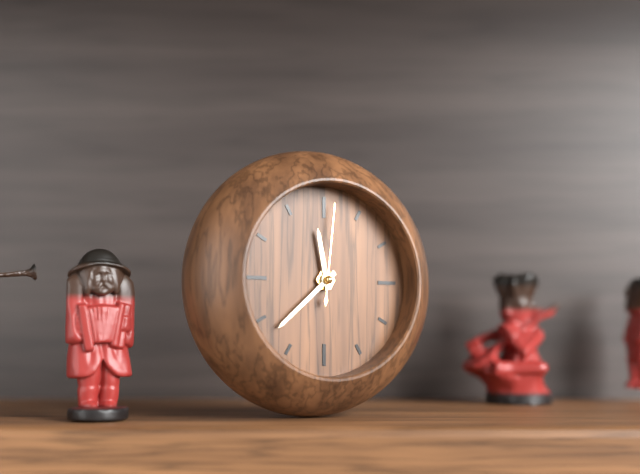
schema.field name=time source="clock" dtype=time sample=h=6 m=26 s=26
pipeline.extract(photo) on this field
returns h=11 m=38 s=1
